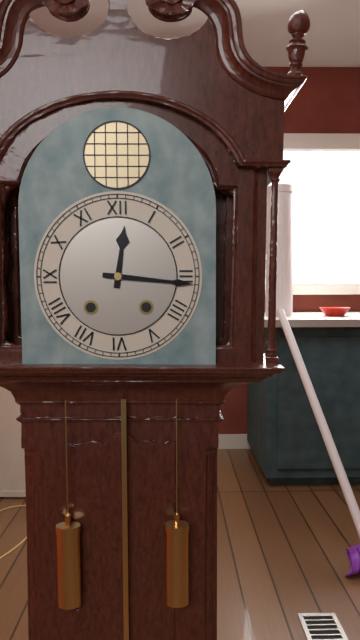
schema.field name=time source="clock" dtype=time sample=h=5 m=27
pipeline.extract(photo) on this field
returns h=12 m=16
